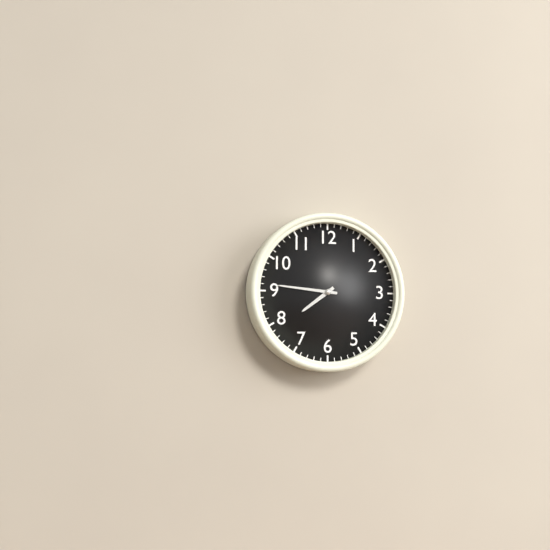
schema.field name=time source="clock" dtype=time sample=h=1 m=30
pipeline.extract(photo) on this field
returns h=7 m=46
